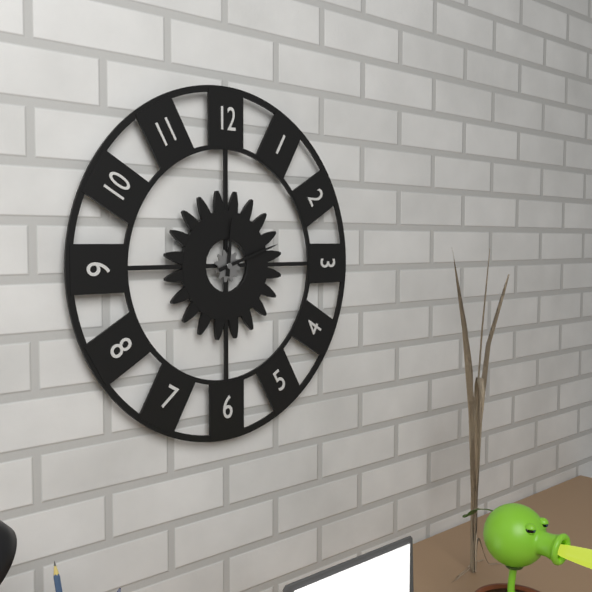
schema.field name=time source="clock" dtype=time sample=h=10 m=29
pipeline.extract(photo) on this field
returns h=12 m=12
